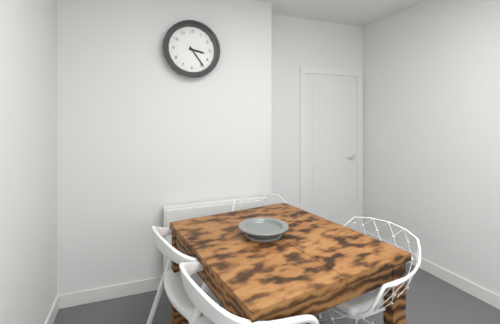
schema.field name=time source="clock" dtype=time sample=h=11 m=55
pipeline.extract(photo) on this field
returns h=3 m=24
